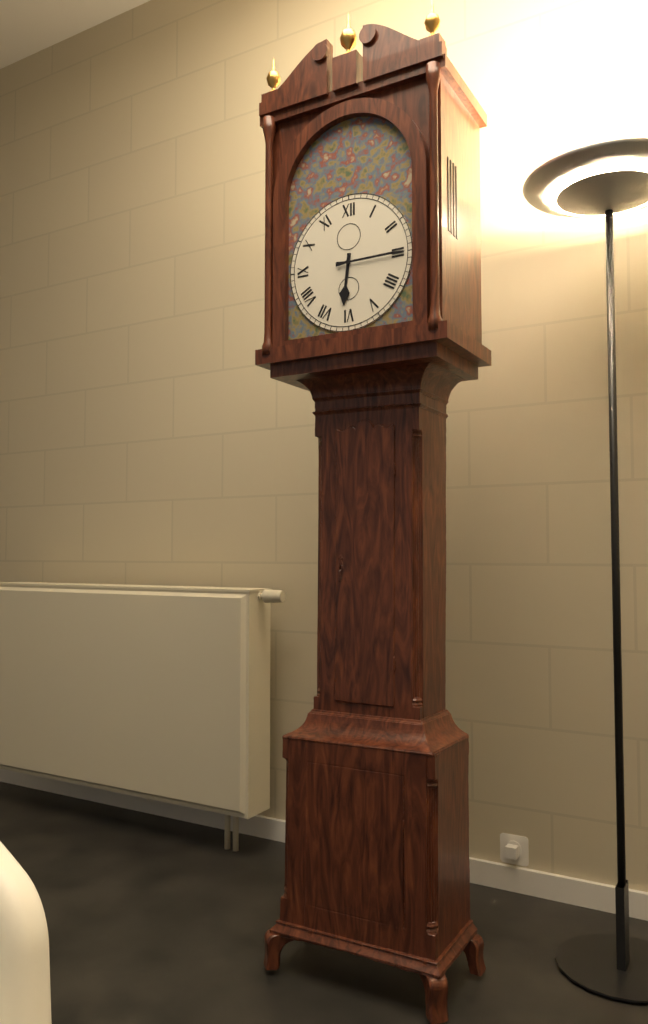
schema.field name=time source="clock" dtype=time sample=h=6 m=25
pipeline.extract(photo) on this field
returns h=6 m=15
